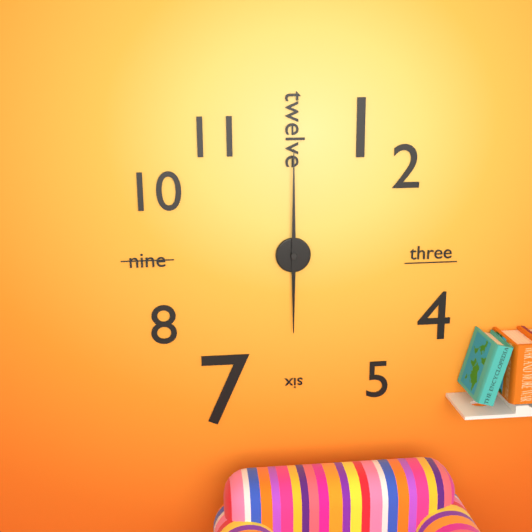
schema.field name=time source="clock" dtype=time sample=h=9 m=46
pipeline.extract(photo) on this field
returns h=6 m=0
